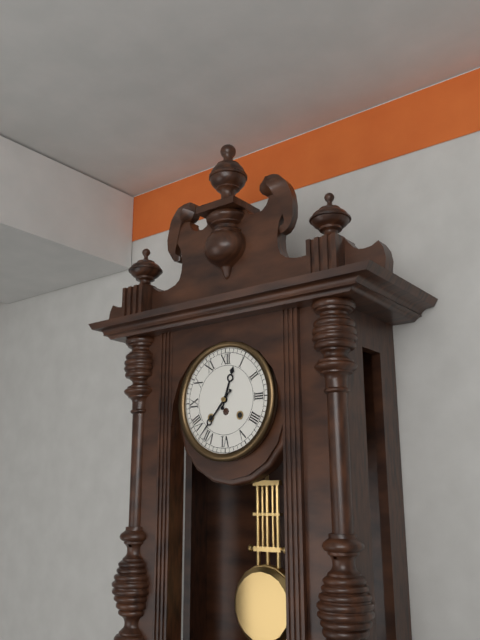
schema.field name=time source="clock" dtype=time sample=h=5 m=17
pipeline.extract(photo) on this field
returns h=12 m=37
